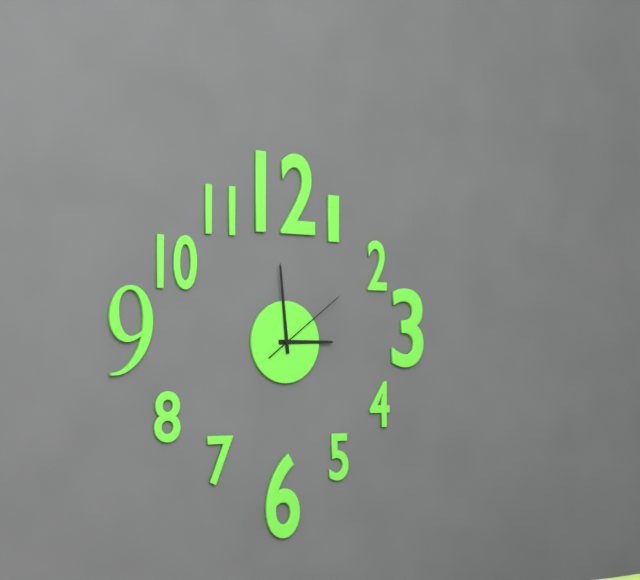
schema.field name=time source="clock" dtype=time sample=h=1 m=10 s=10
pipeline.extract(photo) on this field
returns h=2 m=59 s=9
